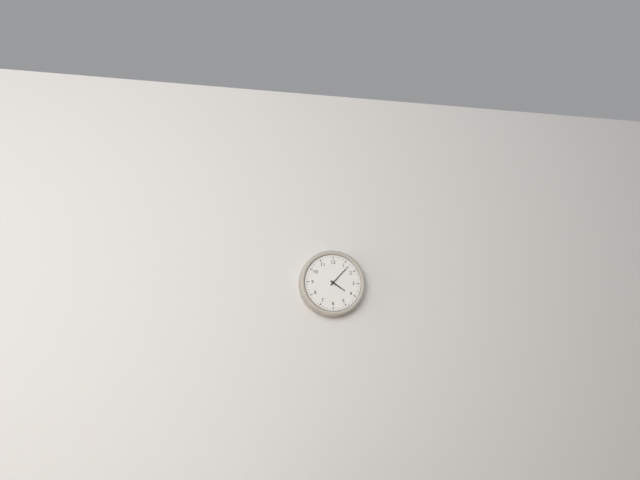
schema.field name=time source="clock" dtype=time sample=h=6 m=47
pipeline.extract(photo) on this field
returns h=4 m=7
